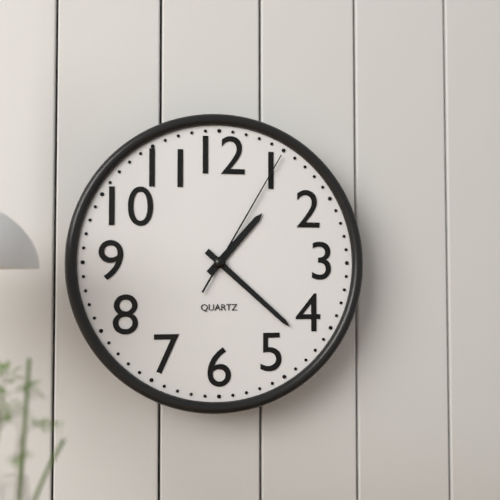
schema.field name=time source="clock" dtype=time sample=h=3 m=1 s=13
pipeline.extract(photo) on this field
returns h=1 m=22 s=5
